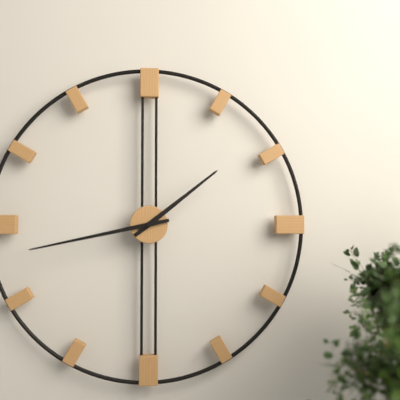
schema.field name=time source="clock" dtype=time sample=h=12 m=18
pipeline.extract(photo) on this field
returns h=1 m=43
